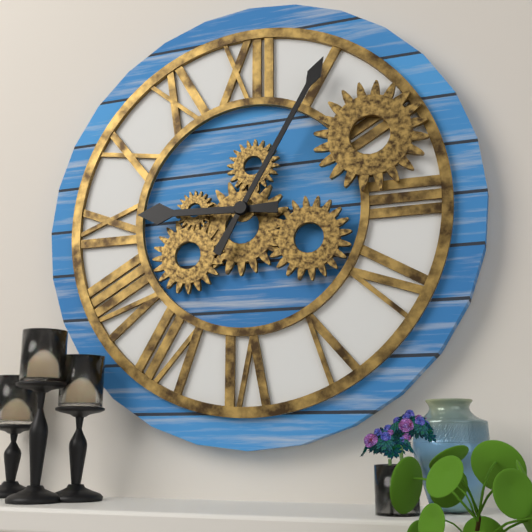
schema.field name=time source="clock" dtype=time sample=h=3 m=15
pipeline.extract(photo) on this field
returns h=9 m=5
